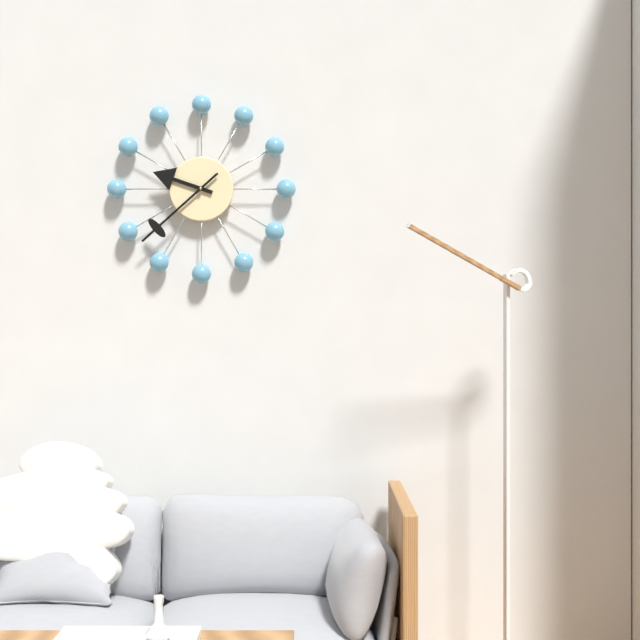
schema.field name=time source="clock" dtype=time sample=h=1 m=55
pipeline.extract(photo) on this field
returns h=9 m=38
